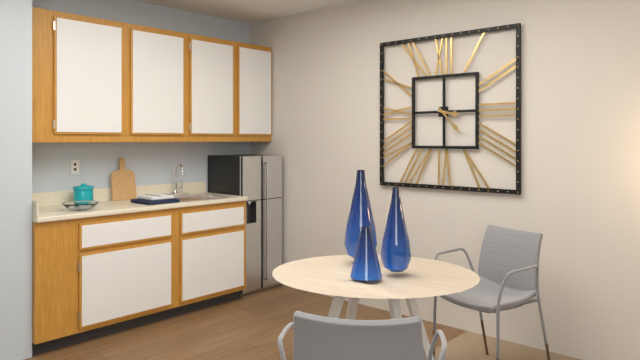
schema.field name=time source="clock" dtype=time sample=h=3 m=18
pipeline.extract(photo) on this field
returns h=3 m=23
